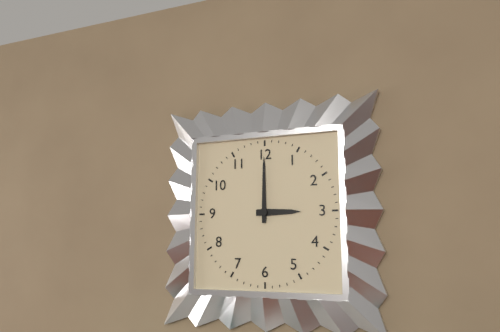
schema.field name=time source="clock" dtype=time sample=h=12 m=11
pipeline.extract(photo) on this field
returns h=3 m=0
